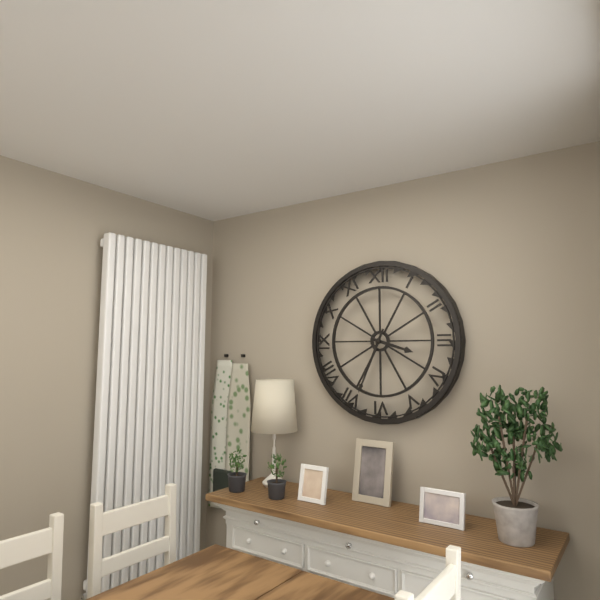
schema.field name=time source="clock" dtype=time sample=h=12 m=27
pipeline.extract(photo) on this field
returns h=3 m=34
